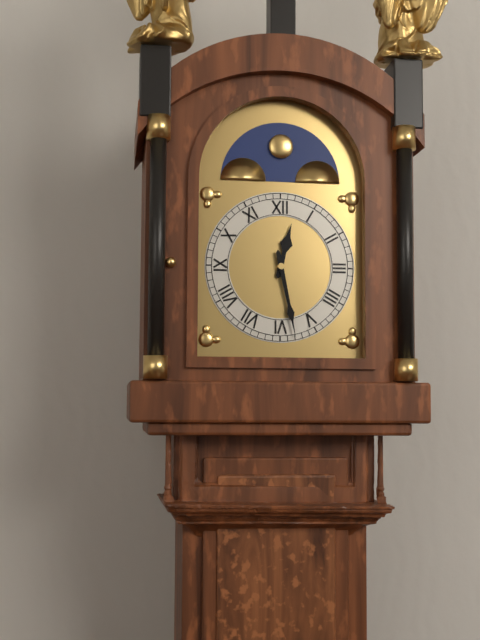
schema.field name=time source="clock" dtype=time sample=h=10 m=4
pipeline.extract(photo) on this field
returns h=12 m=28
